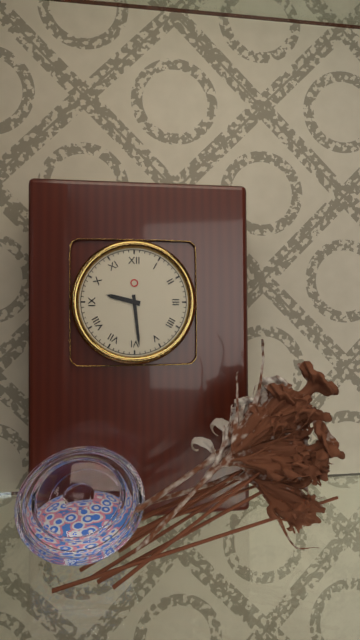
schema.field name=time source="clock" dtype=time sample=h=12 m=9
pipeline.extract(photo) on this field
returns h=9 m=29
